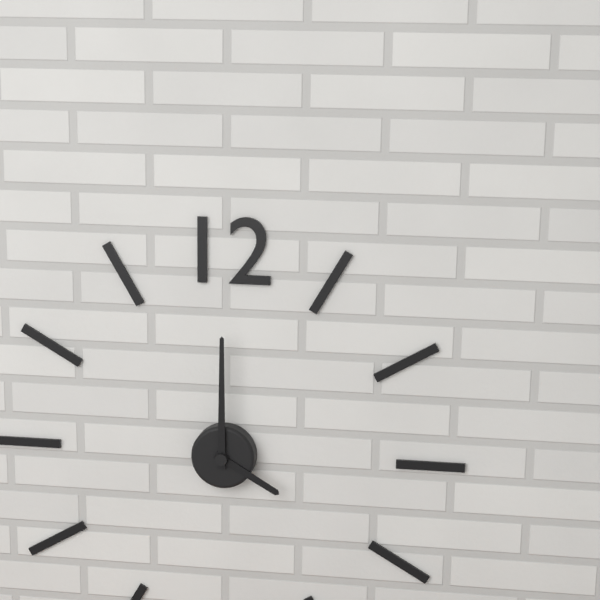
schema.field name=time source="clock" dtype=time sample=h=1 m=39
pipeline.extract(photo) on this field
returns h=4 m=0
